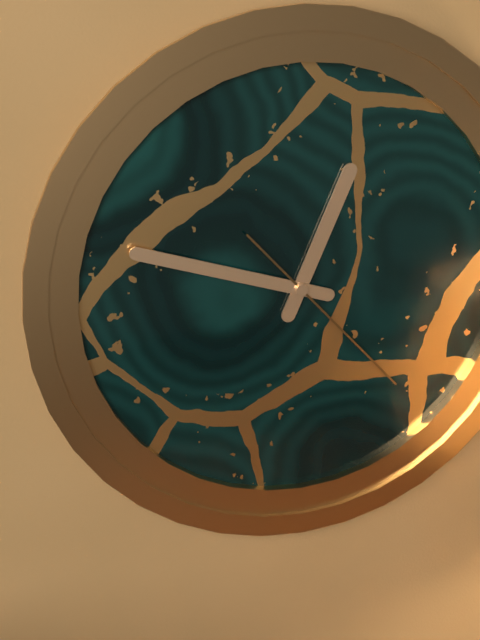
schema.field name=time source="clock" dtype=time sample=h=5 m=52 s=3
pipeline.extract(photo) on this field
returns h=12 m=48 s=23
